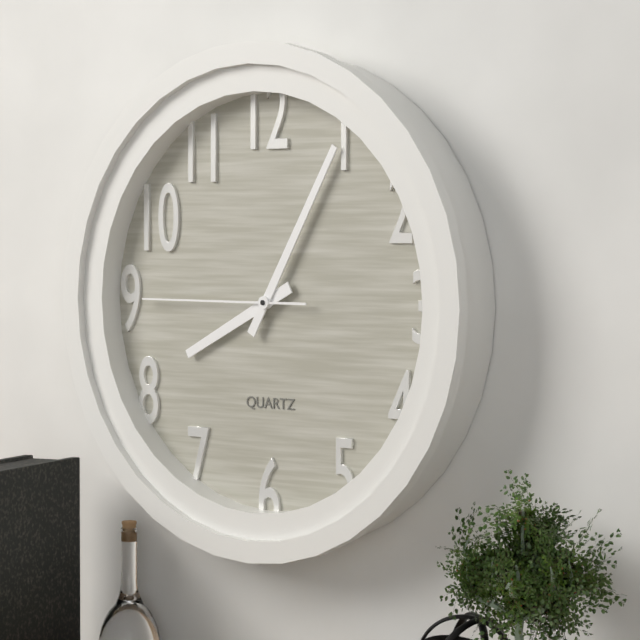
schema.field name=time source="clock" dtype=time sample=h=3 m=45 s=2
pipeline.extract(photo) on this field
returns h=8 m=5 s=45
